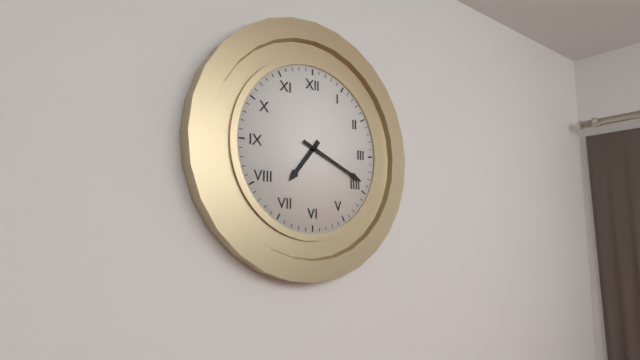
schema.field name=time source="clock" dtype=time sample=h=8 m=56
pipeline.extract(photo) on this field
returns h=7 m=19
